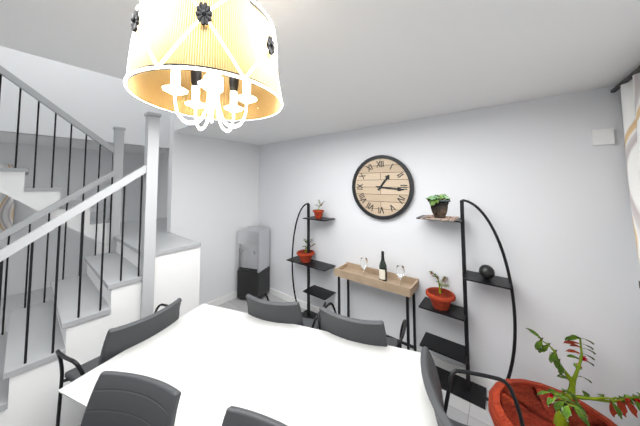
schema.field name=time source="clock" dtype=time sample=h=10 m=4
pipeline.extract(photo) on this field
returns h=1 m=16
